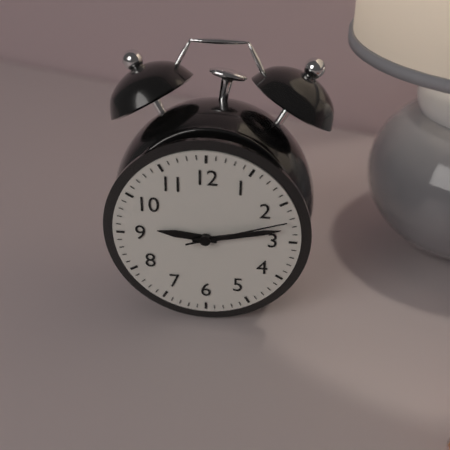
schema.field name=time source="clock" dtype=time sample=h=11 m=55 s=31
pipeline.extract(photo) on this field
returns h=9 m=13 s=12
